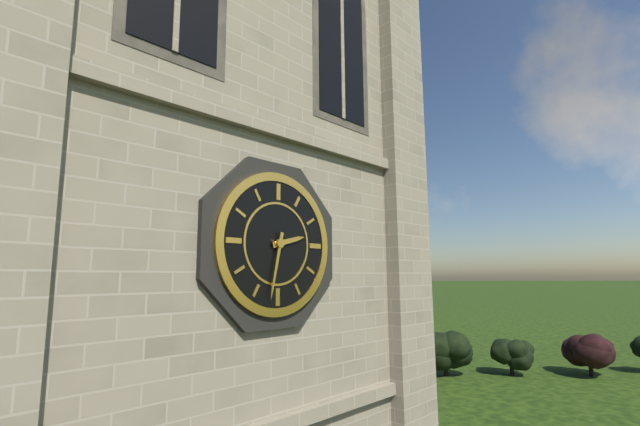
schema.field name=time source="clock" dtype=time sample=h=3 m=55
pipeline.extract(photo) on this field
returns h=2 m=32
